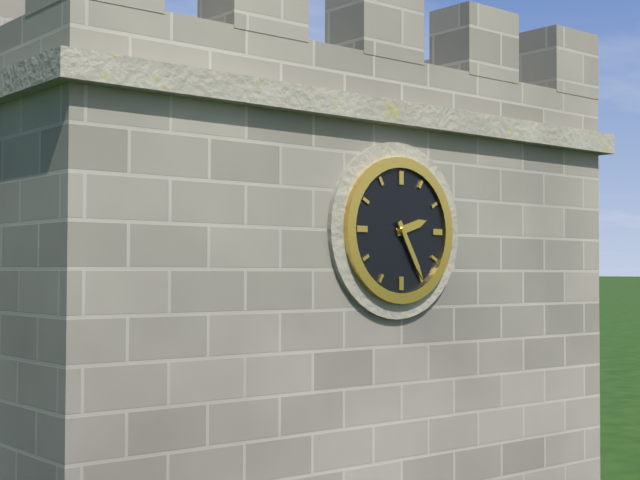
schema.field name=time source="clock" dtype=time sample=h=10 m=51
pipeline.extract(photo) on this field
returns h=2 m=25
